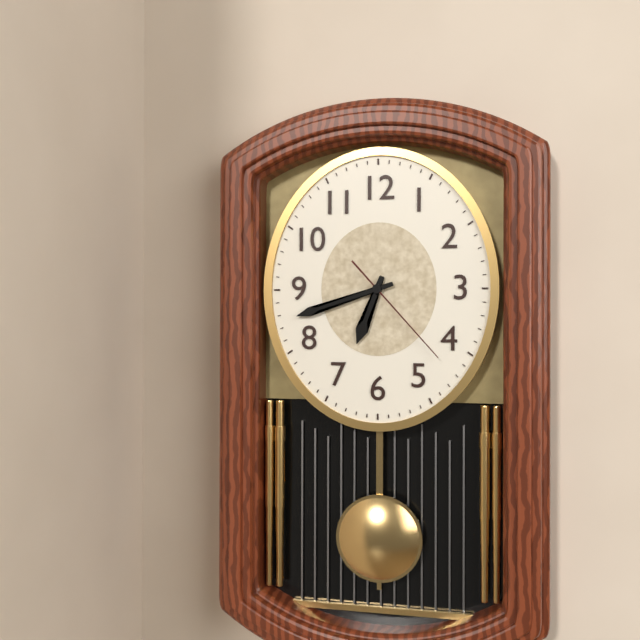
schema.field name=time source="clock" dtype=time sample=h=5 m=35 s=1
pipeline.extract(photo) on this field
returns h=6 m=42 s=23
